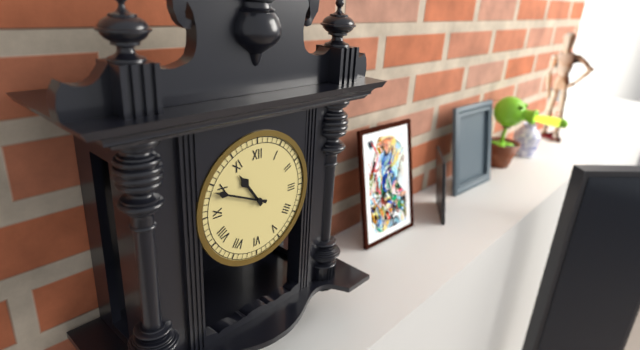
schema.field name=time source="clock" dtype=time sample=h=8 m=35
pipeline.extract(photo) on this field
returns h=10 m=49
